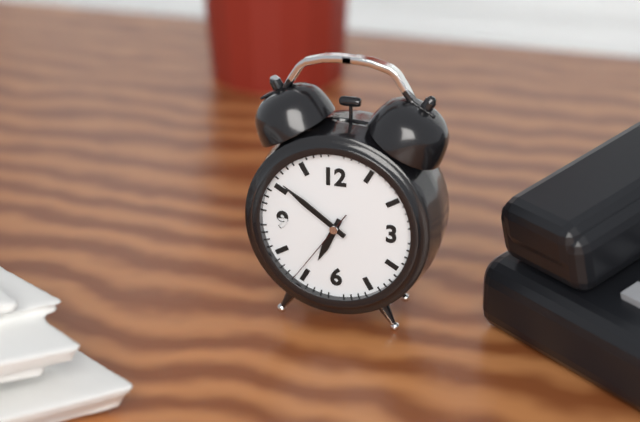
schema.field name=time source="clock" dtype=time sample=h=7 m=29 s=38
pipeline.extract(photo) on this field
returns h=6 m=51 s=36
